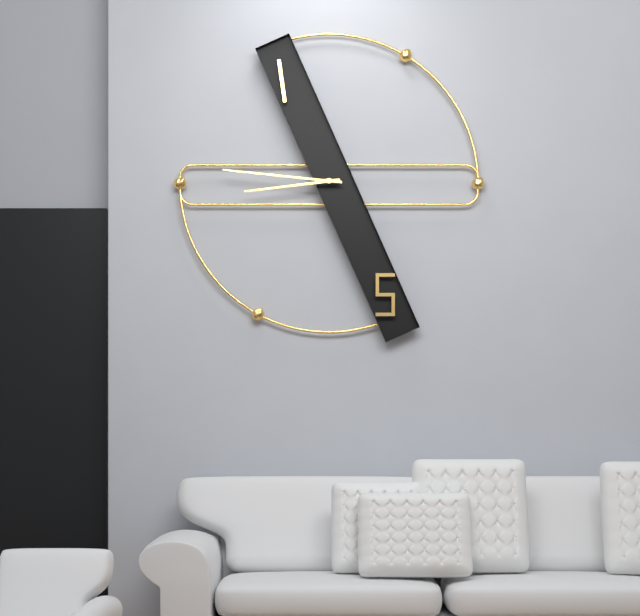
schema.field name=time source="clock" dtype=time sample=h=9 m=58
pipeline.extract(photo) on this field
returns h=8 m=46
